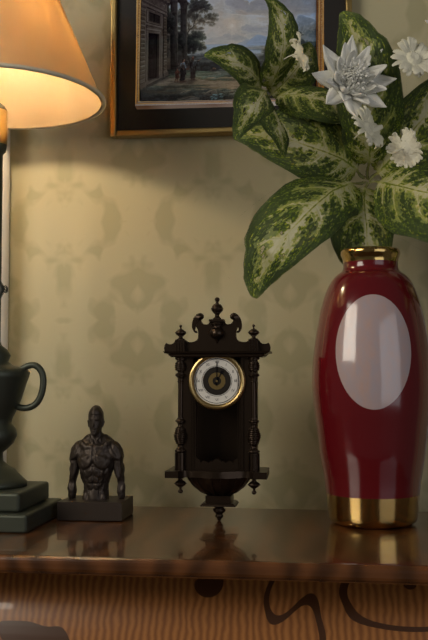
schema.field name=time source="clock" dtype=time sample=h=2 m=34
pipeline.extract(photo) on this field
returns h=1 m=0
